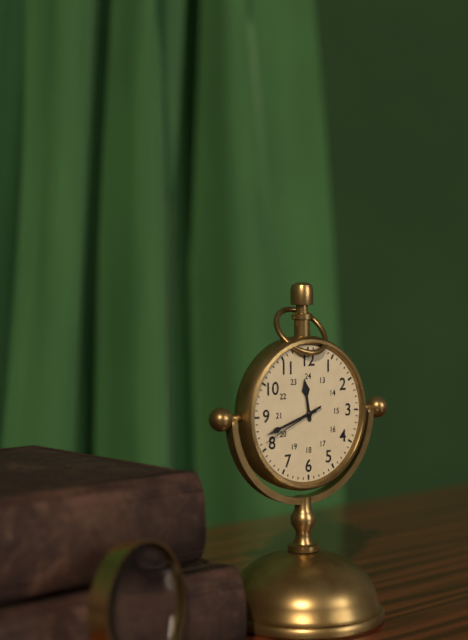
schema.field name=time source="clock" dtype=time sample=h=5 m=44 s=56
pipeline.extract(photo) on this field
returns h=11 m=42 s=41
